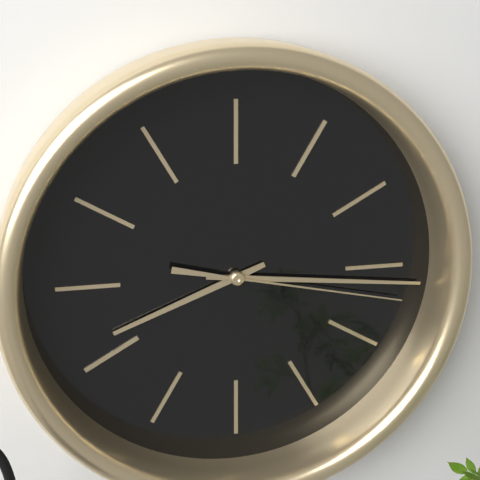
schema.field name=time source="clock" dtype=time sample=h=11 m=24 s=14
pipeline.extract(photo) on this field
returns h=8 m=16 s=17
